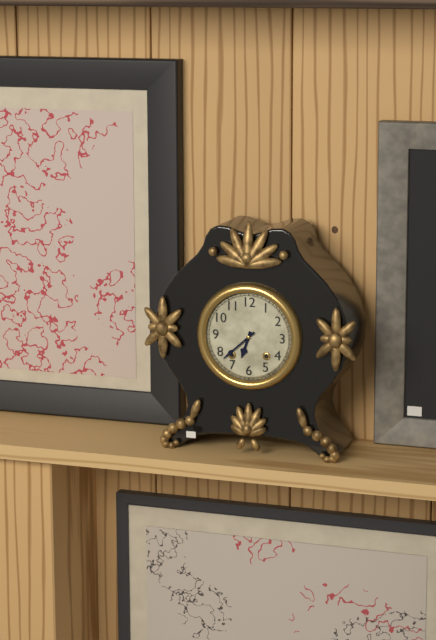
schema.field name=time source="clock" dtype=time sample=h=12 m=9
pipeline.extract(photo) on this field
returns h=6 m=38
